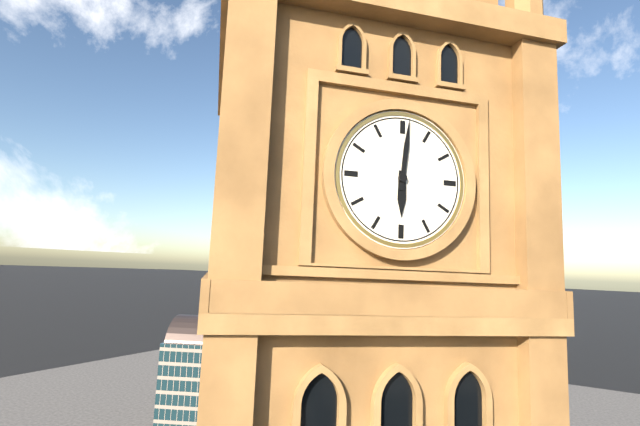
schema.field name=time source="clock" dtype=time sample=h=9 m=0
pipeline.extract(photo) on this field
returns h=6 m=1
